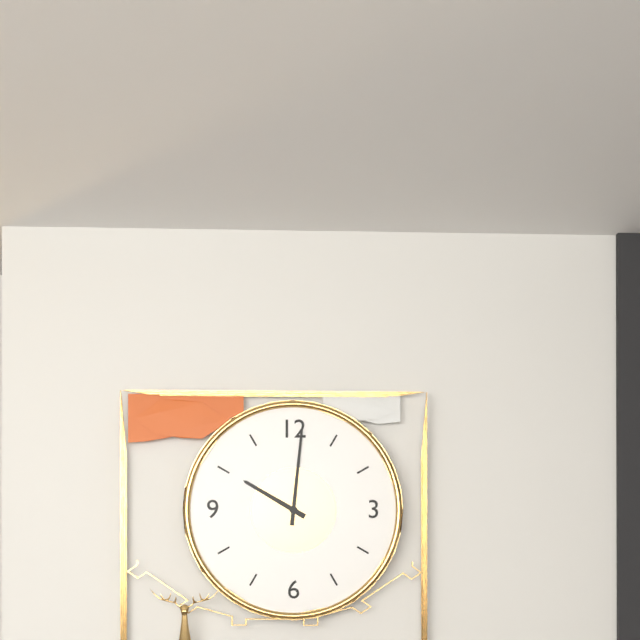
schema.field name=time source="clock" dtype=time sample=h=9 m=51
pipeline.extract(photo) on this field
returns h=10 m=1
